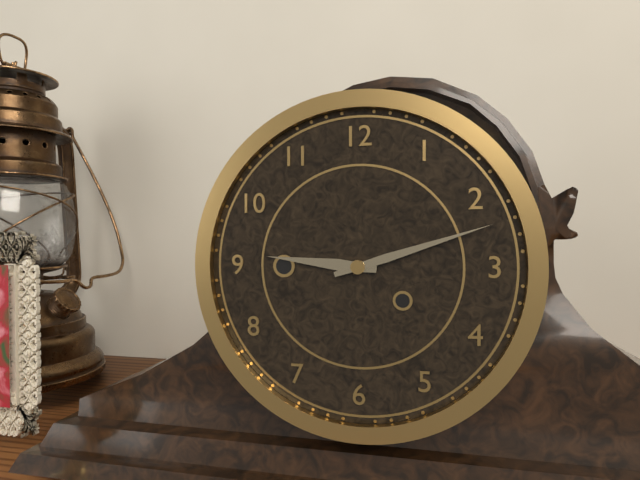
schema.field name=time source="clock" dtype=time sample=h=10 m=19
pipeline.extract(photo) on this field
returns h=9 m=12
